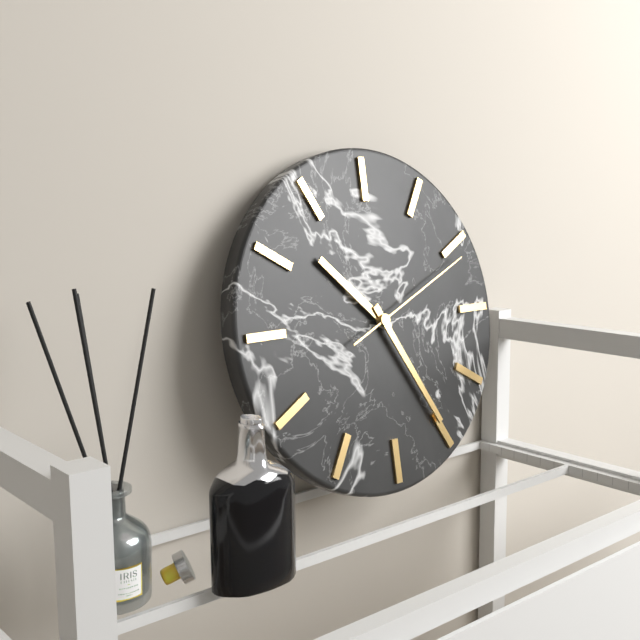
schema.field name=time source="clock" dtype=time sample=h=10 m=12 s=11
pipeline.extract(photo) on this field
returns h=10 m=25 s=11
